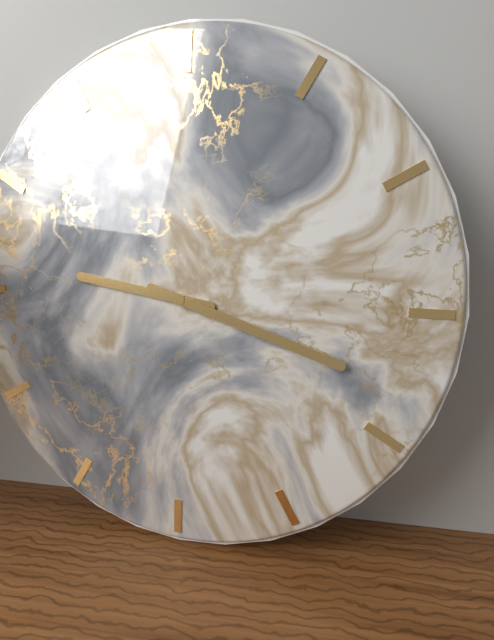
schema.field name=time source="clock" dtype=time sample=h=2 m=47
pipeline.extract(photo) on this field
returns h=9 m=18
